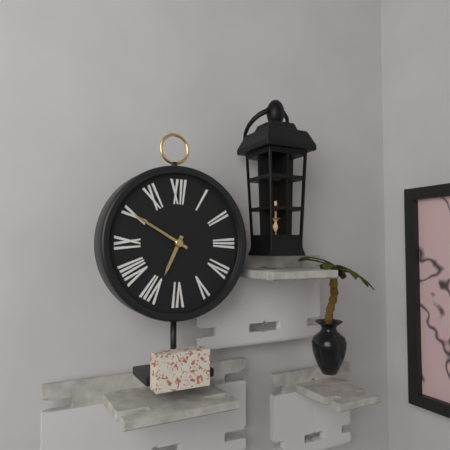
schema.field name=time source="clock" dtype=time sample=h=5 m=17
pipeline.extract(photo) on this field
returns h=6 m=50
